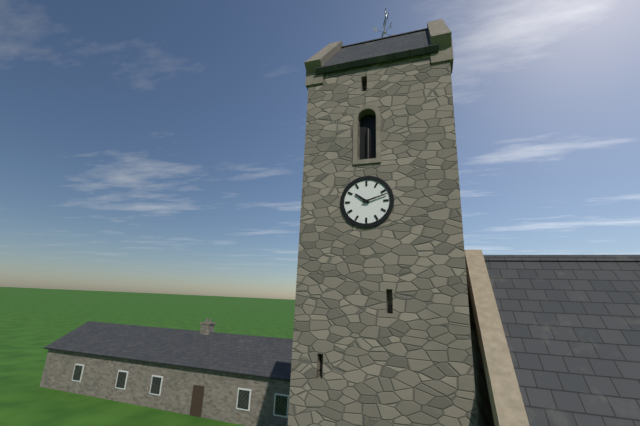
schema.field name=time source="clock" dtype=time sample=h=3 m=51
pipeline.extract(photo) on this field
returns h=10 m=12
